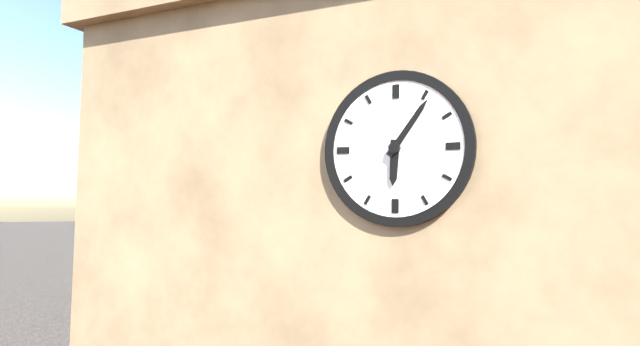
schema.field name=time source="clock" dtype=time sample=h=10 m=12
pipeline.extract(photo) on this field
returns h=6 m=6
